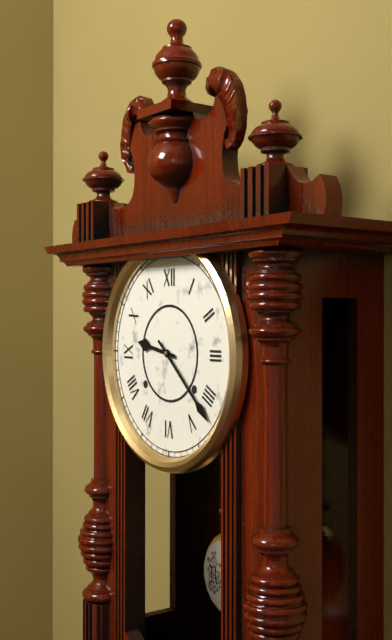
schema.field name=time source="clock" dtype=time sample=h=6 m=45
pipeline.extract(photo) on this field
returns h=9 m=22
